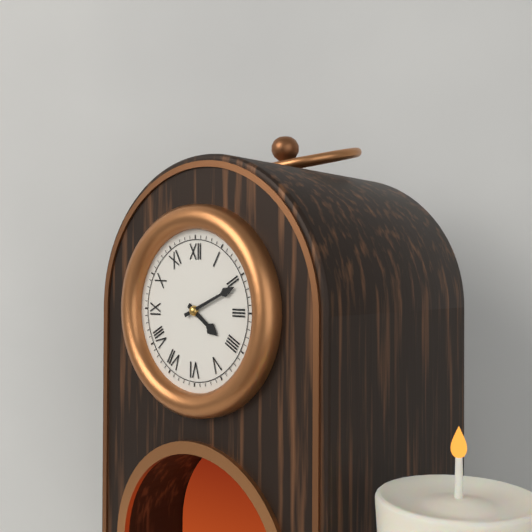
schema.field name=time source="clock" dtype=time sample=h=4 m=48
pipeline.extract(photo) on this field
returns h=4 m=11
